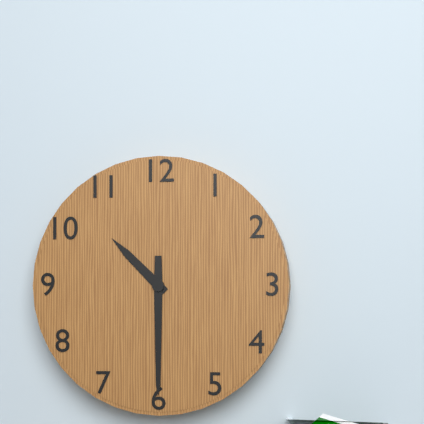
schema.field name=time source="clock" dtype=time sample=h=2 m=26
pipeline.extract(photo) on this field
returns h=10 m=30
